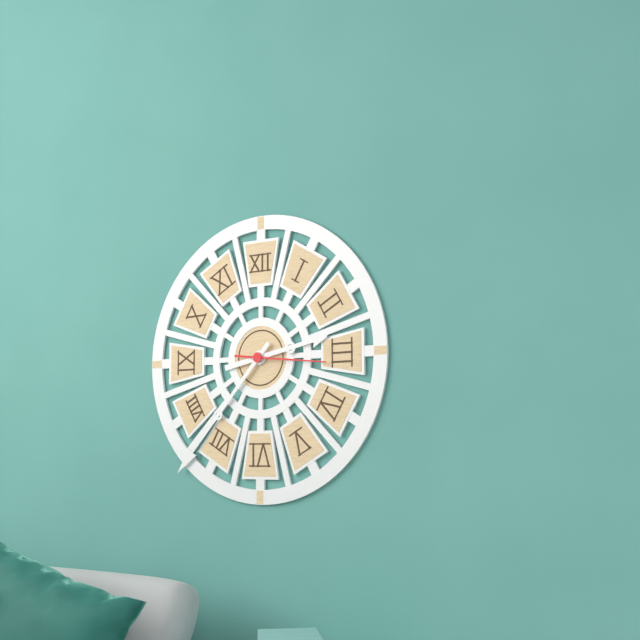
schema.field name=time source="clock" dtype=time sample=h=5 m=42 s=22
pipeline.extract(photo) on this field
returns h=2 m=37 s=16
